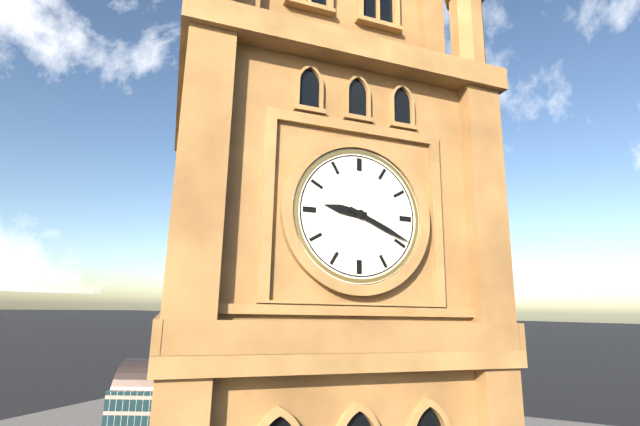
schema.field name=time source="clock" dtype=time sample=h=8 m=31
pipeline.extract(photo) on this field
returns h=9 m=19
